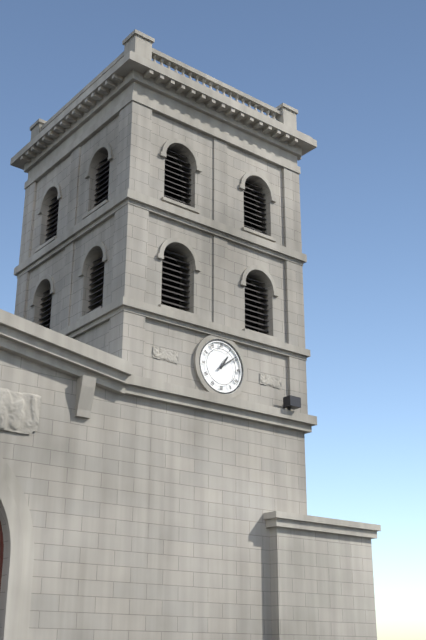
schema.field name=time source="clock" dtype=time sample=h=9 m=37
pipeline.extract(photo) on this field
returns h=1 m=9
